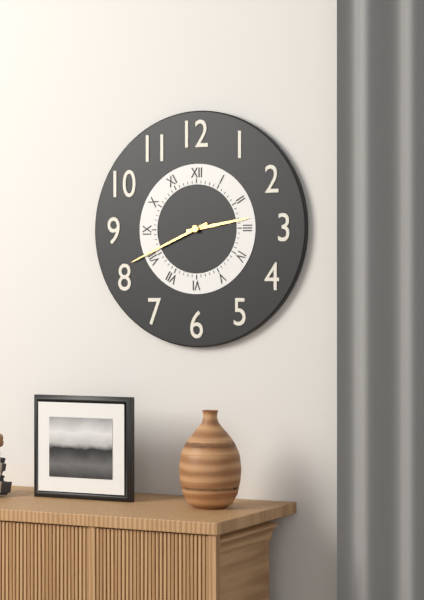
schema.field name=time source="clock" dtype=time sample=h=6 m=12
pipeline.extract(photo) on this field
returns h=2 m=41
